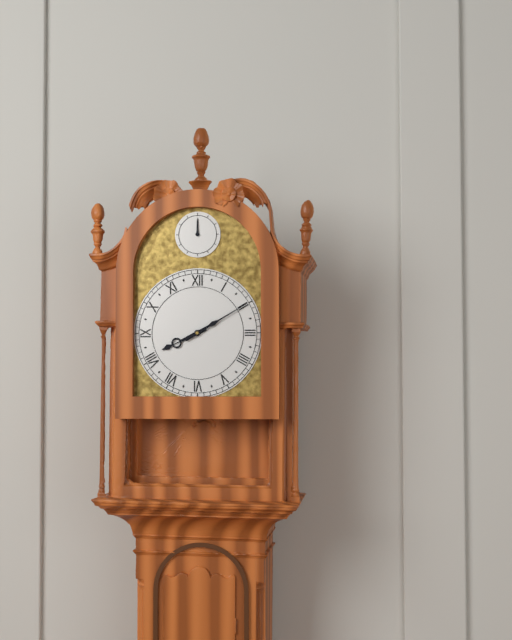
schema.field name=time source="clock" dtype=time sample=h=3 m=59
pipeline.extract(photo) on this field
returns h=8 m=10
